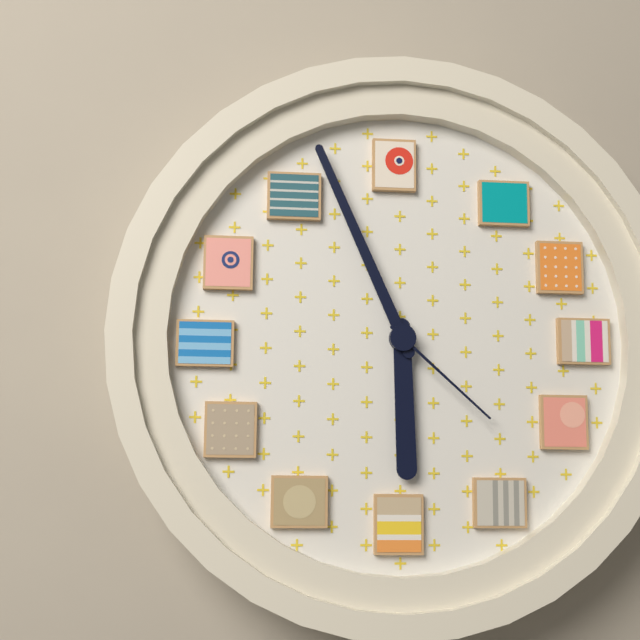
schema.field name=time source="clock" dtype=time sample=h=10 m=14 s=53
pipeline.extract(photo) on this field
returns h=5 m=56 s=22
